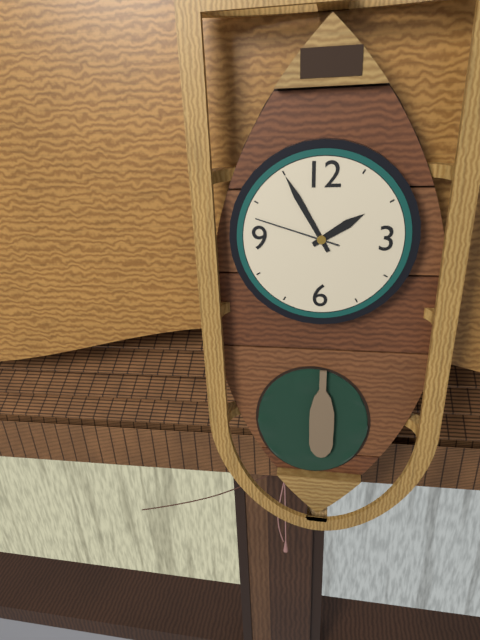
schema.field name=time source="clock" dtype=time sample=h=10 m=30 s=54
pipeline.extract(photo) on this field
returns h=1 m=55 s=48
